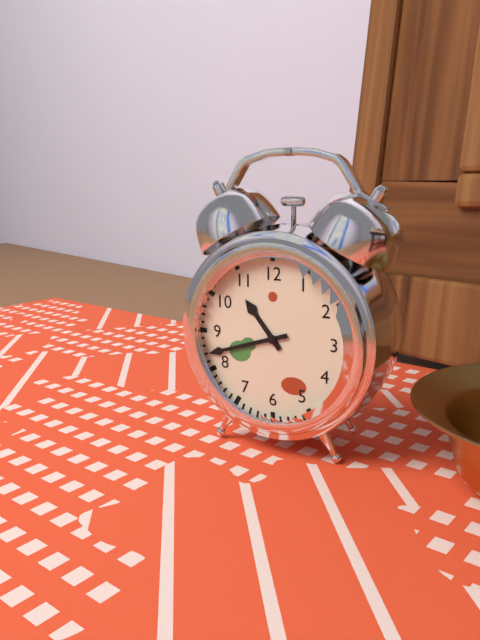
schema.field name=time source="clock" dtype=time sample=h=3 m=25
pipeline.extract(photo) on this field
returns h=10 m=42
